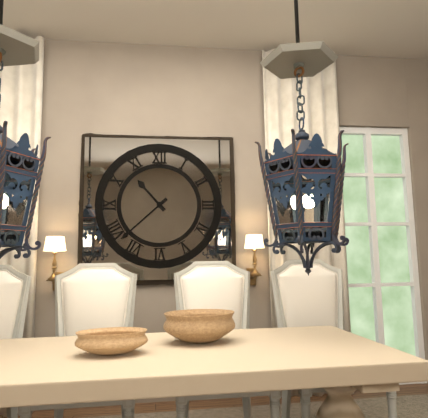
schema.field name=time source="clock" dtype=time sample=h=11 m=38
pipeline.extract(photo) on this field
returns h=10 m=38
